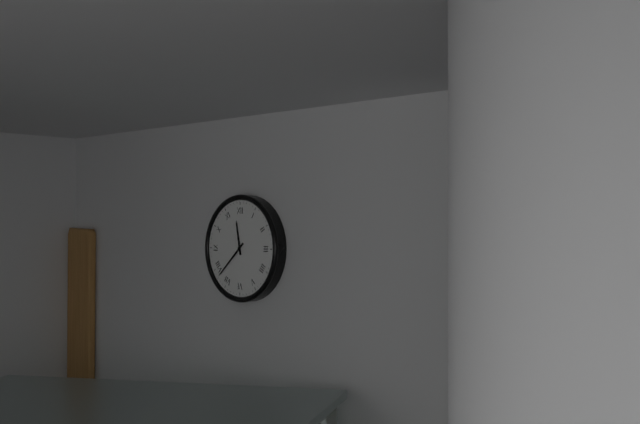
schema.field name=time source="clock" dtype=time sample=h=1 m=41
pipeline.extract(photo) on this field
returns h=11 m=38
